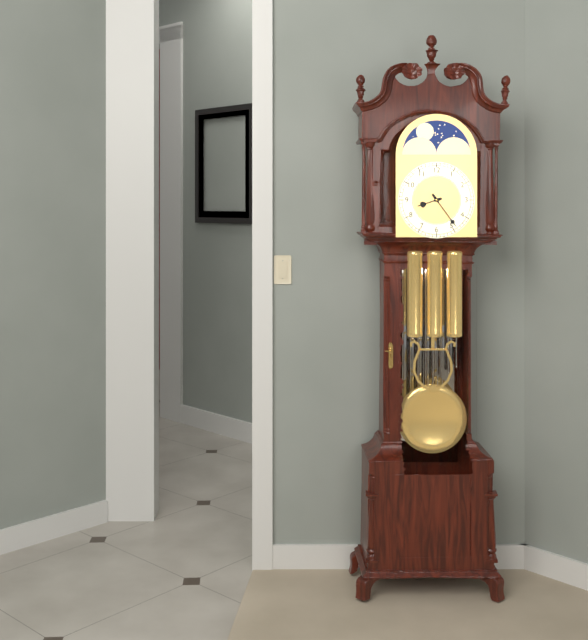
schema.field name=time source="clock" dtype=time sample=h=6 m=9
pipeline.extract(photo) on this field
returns h=8 m=24
